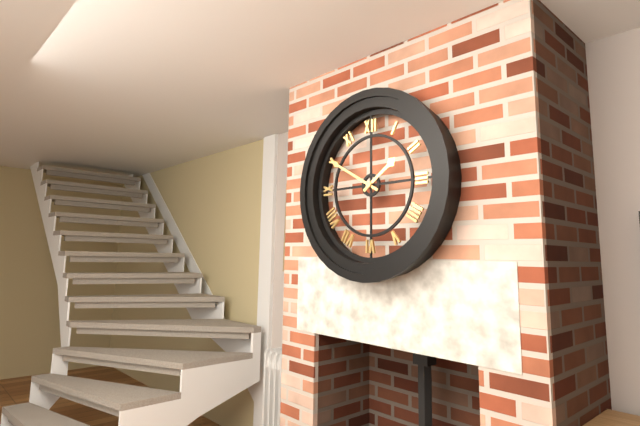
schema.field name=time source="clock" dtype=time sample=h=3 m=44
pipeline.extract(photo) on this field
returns h=1 m=50
